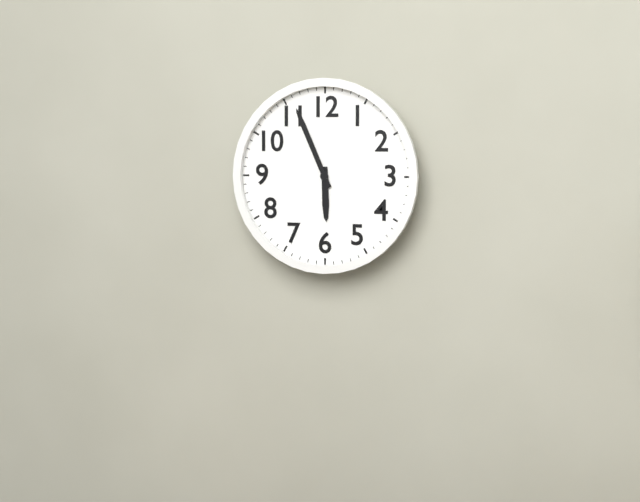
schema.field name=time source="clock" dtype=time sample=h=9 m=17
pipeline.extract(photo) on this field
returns h=5 m=56
